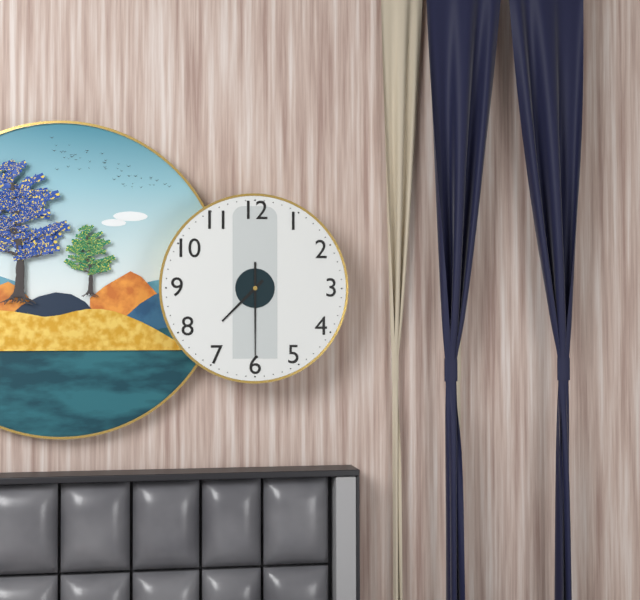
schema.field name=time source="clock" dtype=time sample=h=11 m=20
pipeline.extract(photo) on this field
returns h=7 m=30
